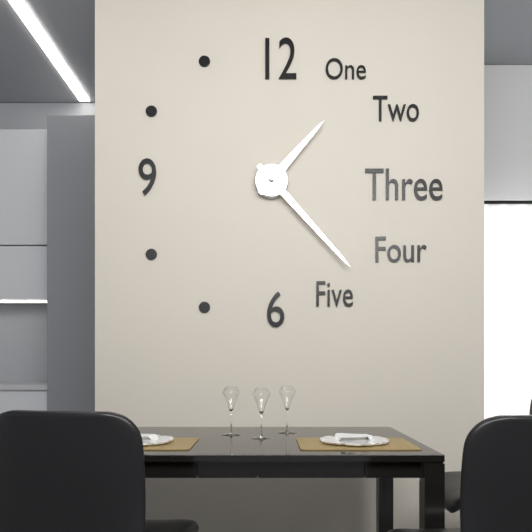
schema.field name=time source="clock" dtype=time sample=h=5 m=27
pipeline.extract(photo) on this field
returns h=1 m=23
